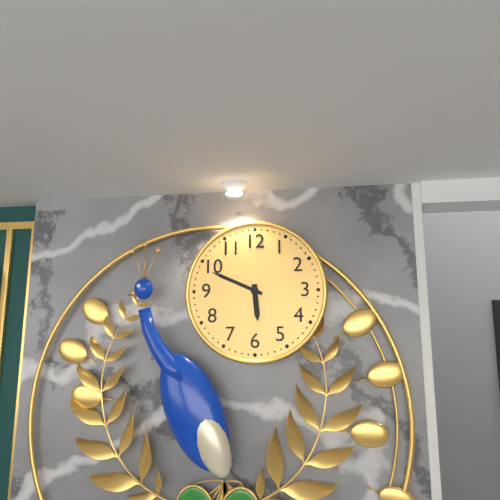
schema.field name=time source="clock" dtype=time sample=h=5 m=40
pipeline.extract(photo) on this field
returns h=5 m=49
